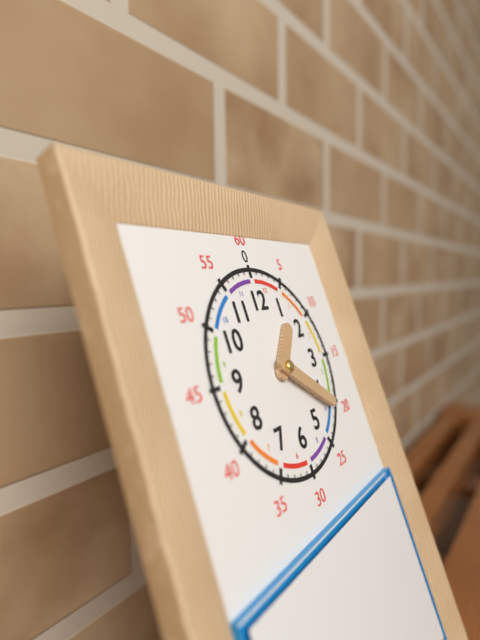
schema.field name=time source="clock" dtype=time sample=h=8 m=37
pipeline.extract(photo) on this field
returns h=1 m=21
